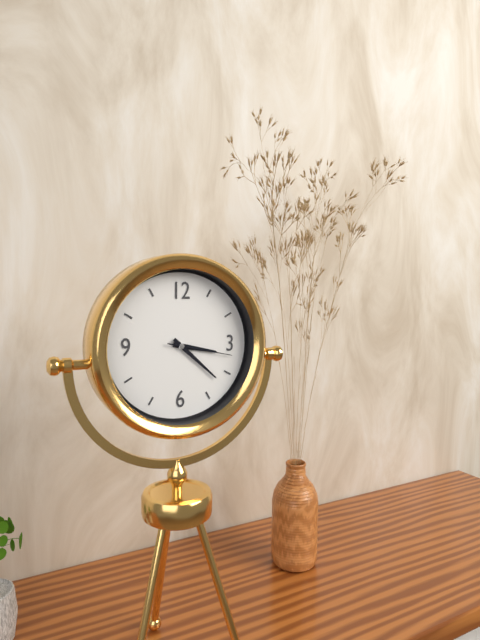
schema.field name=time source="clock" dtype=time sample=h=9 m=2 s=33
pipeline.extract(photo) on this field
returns h=3 m=22 s=17
